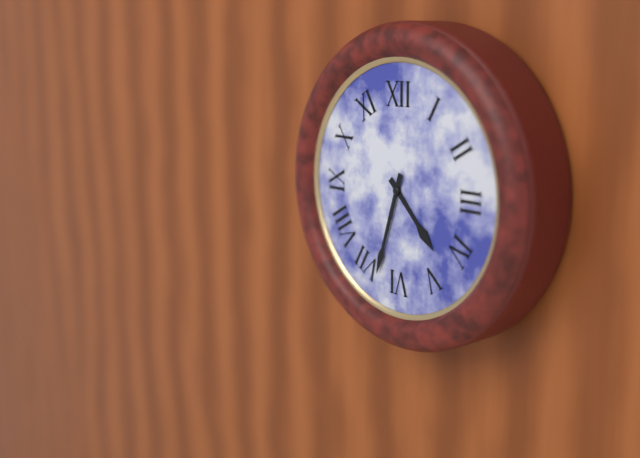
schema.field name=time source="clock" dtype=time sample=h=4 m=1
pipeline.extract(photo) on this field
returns h=4 m=33
